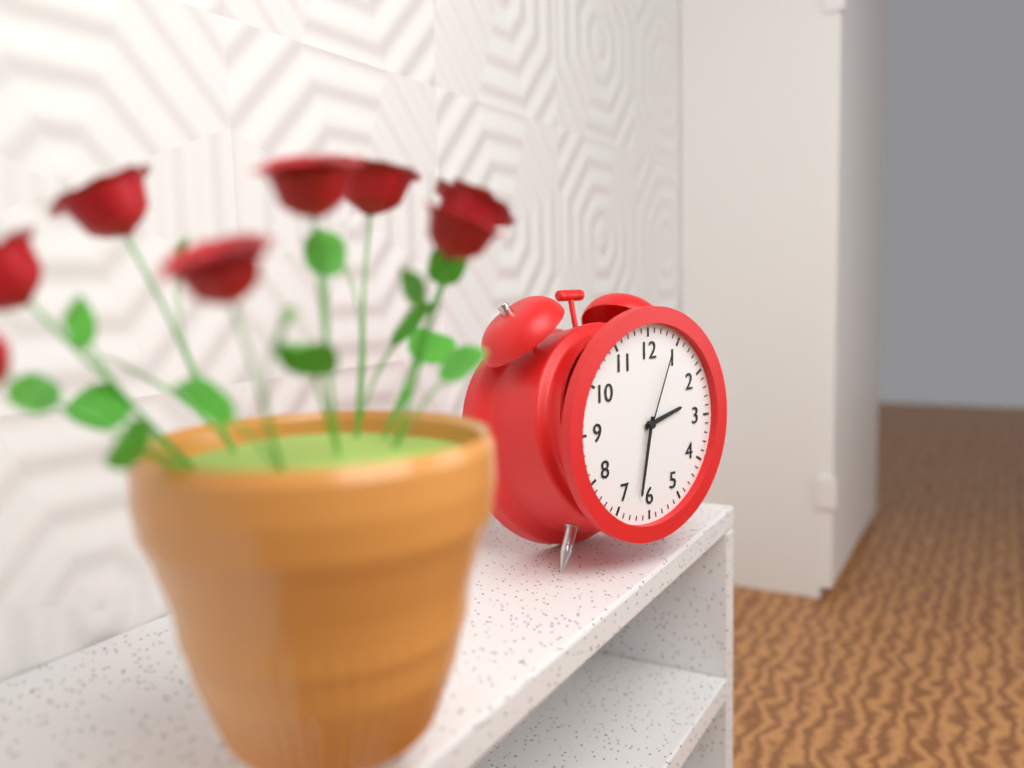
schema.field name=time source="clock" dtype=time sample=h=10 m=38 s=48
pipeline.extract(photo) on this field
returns h=2 m=32 s=4
